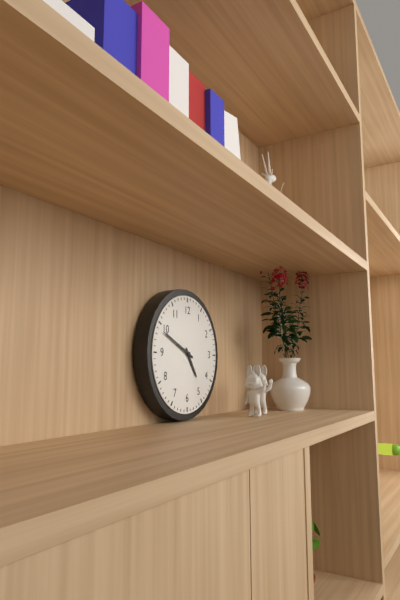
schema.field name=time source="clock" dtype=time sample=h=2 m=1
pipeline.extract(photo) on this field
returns h=4 m=49
